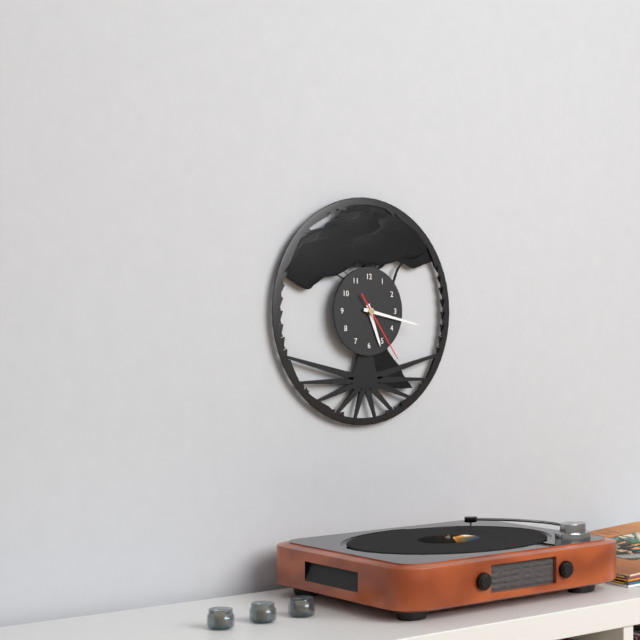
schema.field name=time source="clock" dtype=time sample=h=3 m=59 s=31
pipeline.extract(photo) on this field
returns h=5 m=17 s=24
